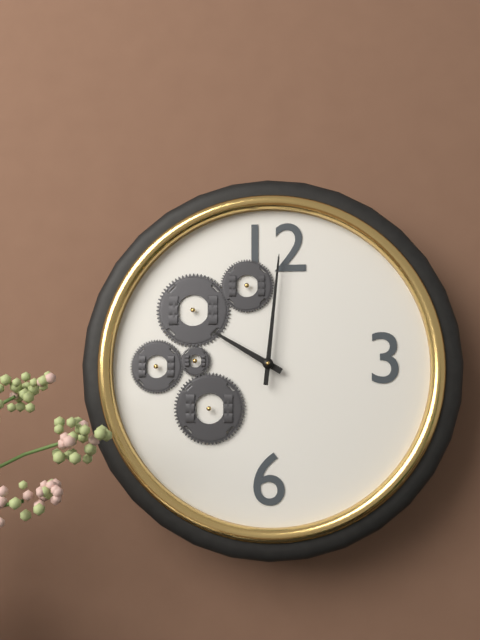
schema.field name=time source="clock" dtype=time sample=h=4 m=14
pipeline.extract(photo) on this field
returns h=10 m=1
